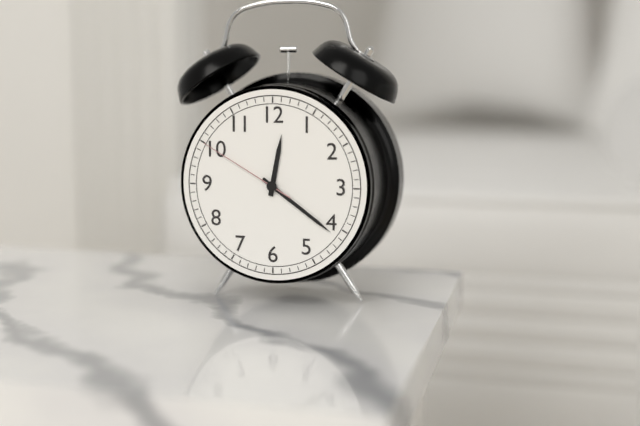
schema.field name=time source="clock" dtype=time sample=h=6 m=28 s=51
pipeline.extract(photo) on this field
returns h=12 m=21 s=50
